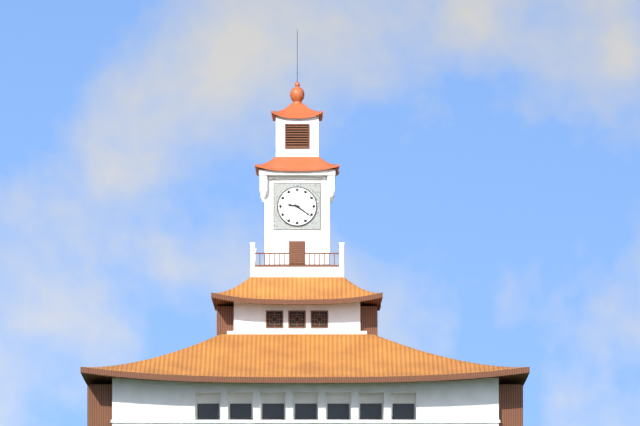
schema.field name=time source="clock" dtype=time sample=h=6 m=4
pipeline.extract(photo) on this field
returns h=9 m=21
